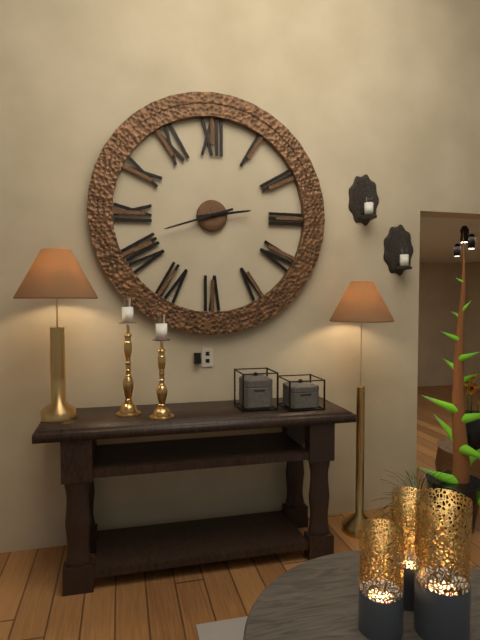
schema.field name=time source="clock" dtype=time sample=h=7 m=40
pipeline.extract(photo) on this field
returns h=2 m=42
